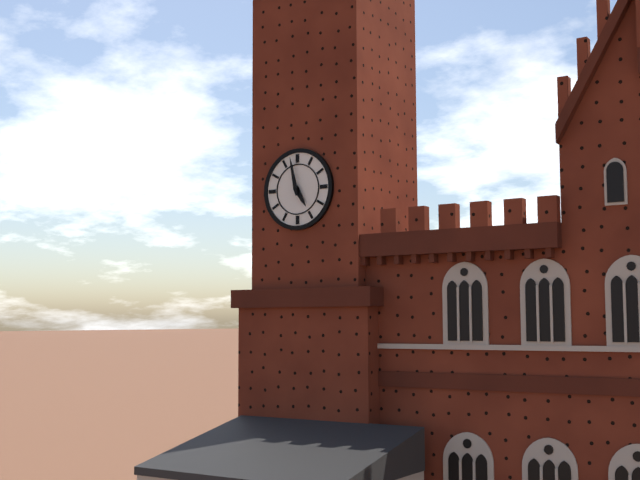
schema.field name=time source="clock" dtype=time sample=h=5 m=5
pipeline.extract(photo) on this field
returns h=4 m=58
